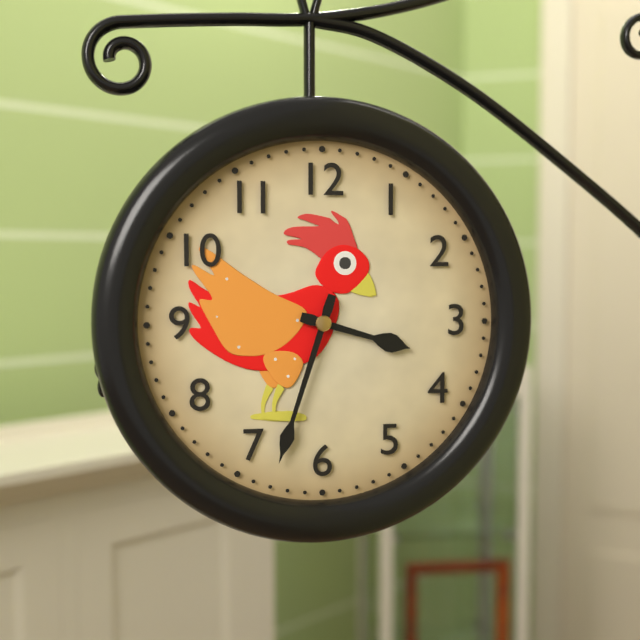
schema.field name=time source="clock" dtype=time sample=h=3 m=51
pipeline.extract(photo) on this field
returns h=3 m=33
